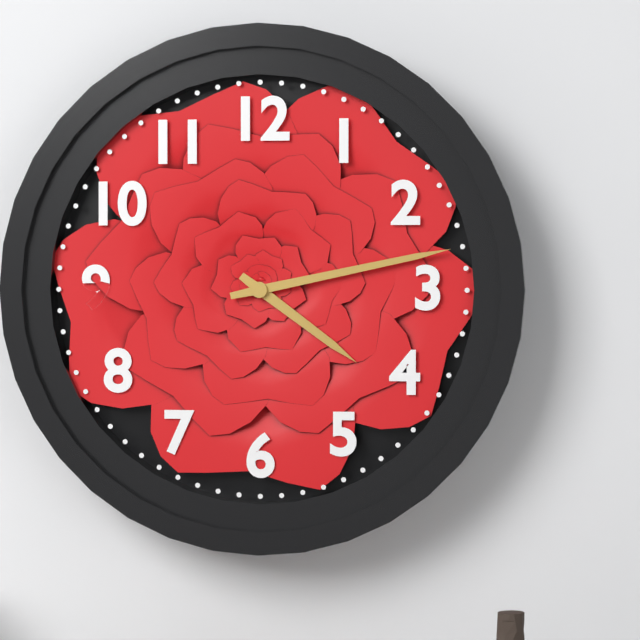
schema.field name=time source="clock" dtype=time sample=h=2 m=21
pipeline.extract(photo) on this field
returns h=4 m=13
